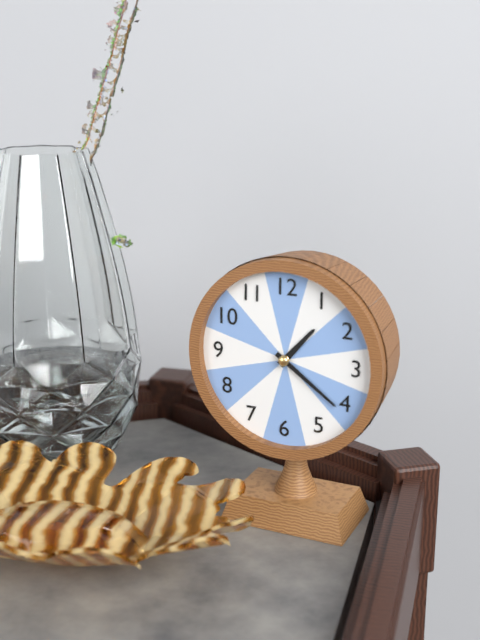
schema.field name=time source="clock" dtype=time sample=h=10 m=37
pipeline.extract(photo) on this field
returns h=1 m=21
